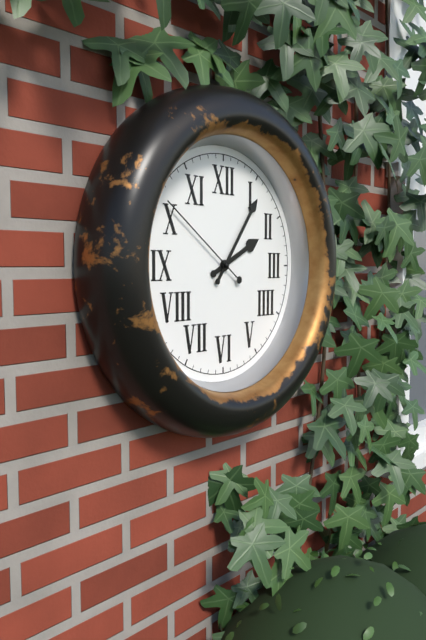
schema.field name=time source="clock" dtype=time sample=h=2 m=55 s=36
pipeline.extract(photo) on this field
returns h=2 m=6 s=51
